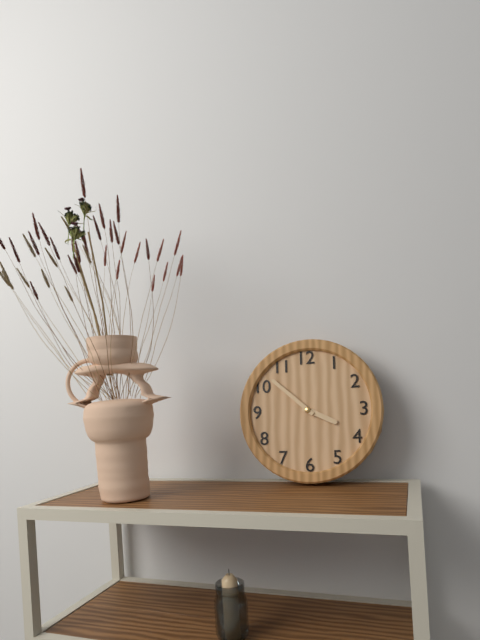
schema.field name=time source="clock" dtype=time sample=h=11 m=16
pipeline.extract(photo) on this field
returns h=3 m=52
